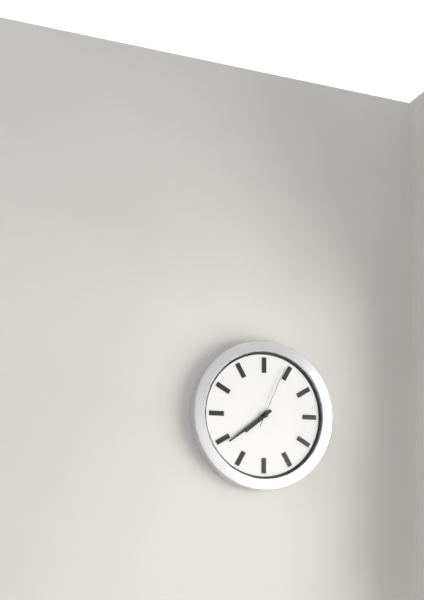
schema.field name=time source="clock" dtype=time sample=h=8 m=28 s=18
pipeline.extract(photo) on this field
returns h=7 m=39 s=4
